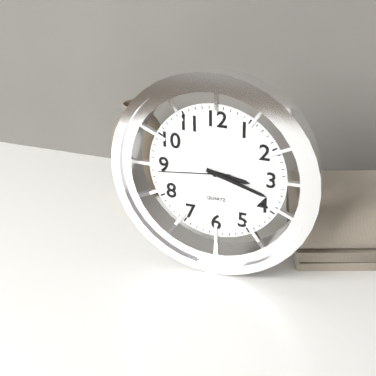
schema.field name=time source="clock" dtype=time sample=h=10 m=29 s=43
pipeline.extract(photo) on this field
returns h=3 m=18 s=44
